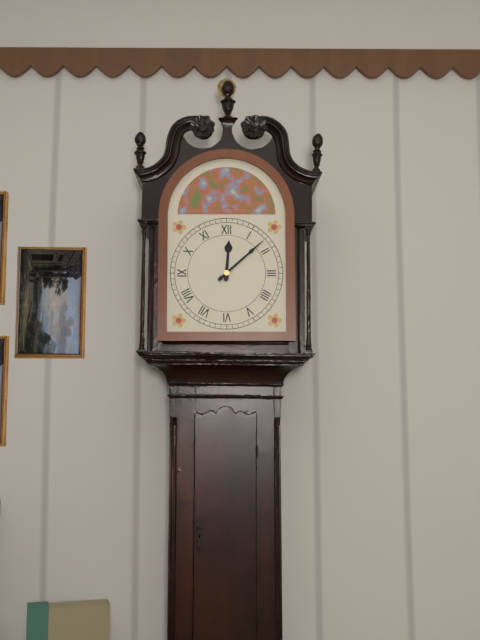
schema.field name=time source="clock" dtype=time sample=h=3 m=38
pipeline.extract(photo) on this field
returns h=12 m=8
